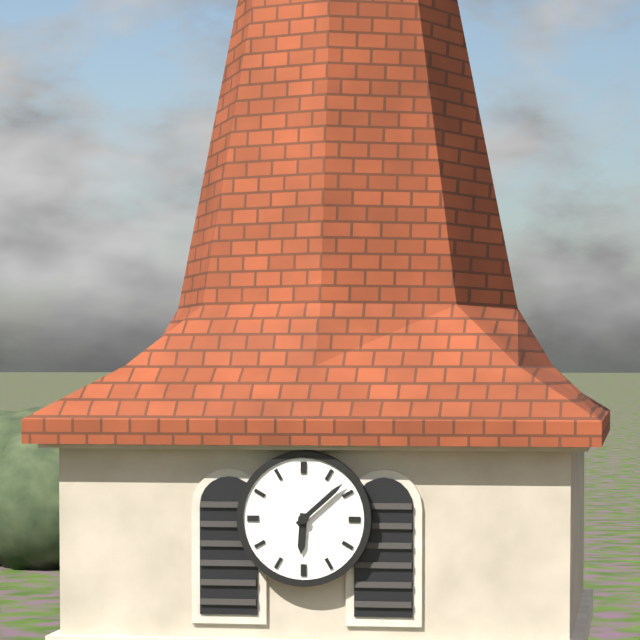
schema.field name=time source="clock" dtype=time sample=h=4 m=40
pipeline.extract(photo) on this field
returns h=6 m=8
